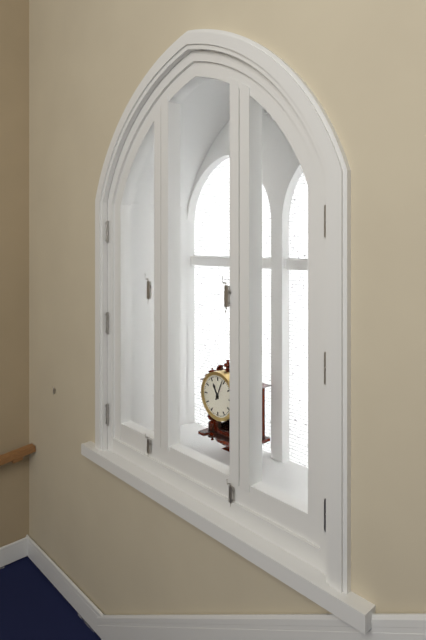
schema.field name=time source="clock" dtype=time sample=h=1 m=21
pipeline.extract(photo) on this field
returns h=11 m=4
